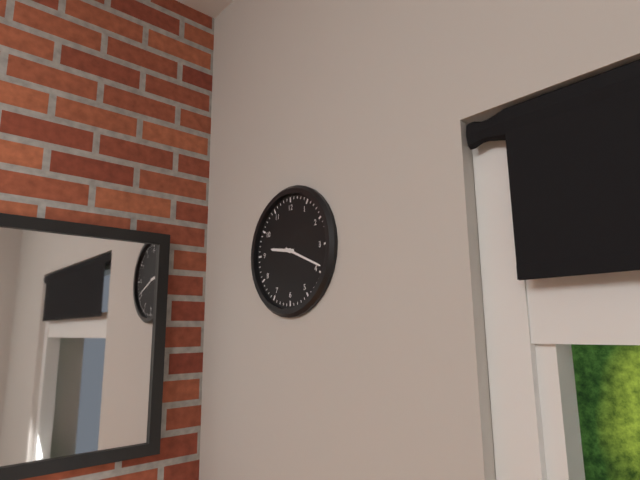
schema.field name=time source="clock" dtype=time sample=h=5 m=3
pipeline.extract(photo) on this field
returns h=9 m=19
